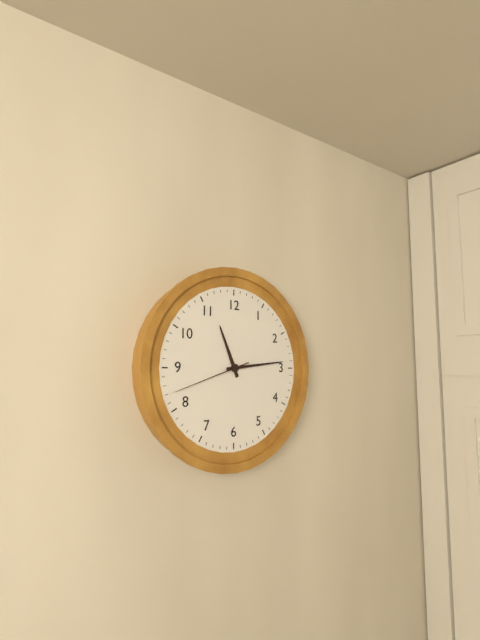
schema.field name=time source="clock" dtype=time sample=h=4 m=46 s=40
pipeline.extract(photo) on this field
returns h=11 m=14 s=42
